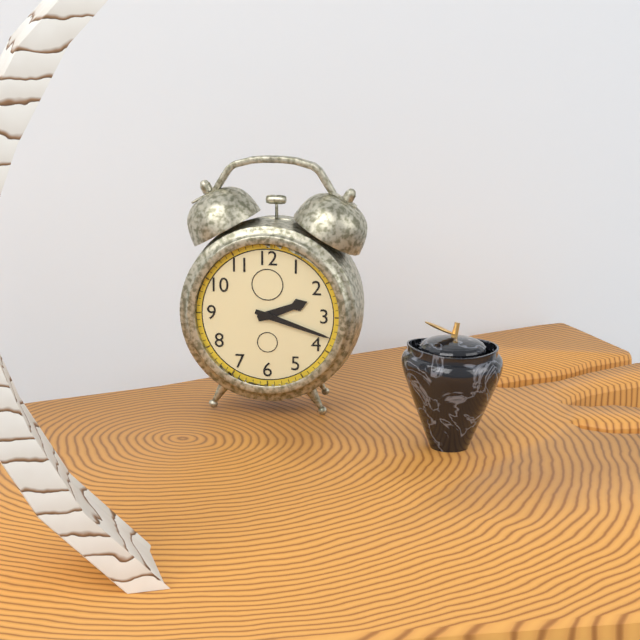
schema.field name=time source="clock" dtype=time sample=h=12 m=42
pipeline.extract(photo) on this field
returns h=2 m=18
